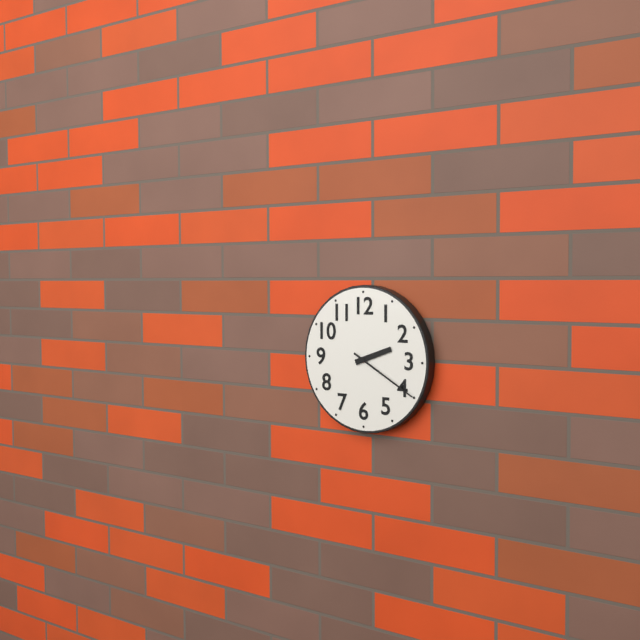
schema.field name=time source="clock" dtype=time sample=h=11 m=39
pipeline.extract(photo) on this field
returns h=2 m=20
